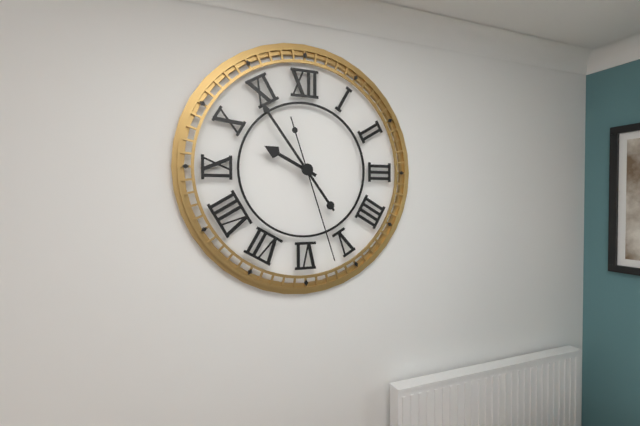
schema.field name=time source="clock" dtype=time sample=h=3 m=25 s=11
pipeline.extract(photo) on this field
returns h=9 m=54 s=27
